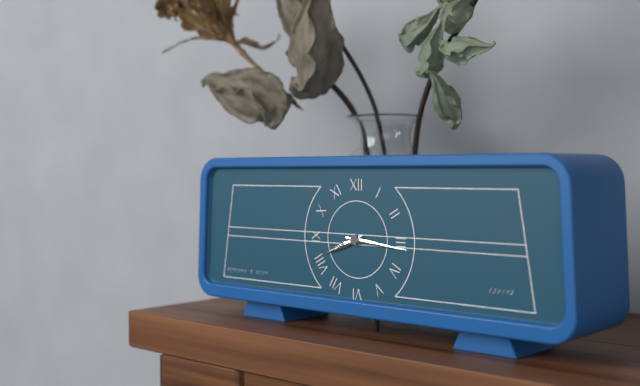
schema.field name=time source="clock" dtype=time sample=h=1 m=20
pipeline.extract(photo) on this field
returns h=8 m=16
